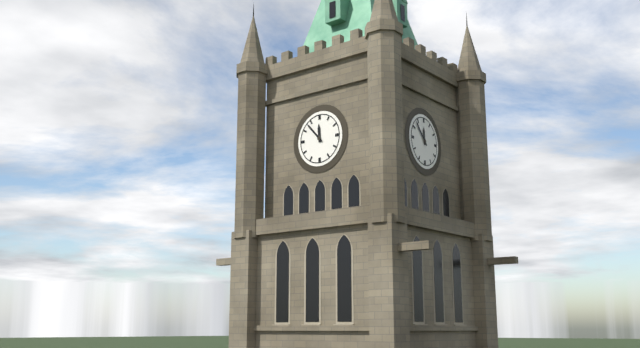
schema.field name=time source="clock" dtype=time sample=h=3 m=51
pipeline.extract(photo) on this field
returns h=11 m=53
